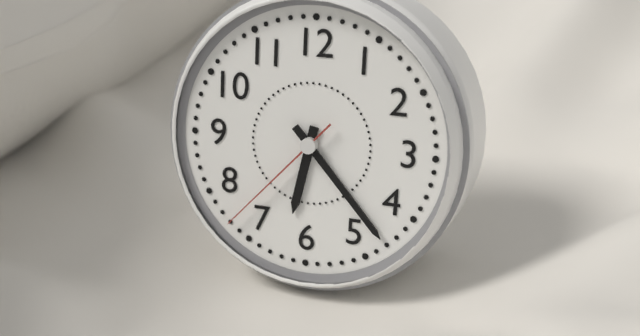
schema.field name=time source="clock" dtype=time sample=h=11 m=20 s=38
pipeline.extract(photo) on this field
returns h=6 m=23 s=37
